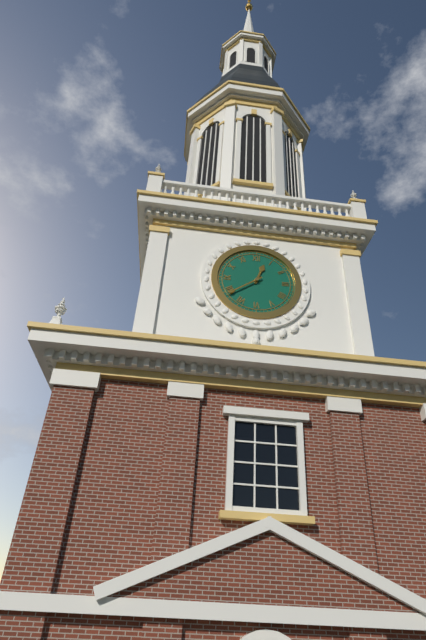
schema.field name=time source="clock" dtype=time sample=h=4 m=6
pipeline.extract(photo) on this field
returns h=12 m=39
